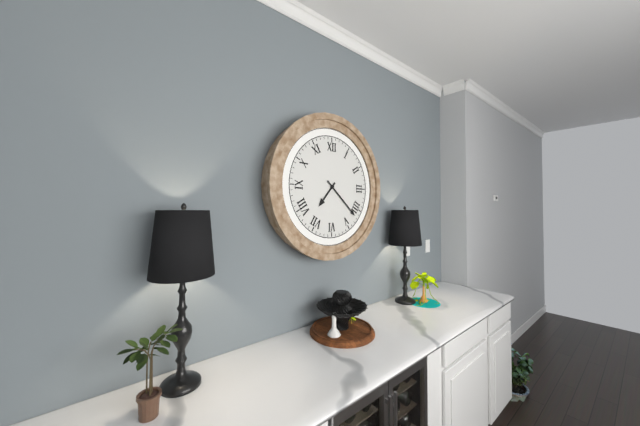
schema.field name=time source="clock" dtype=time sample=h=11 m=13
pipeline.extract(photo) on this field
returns h=7 m=22
